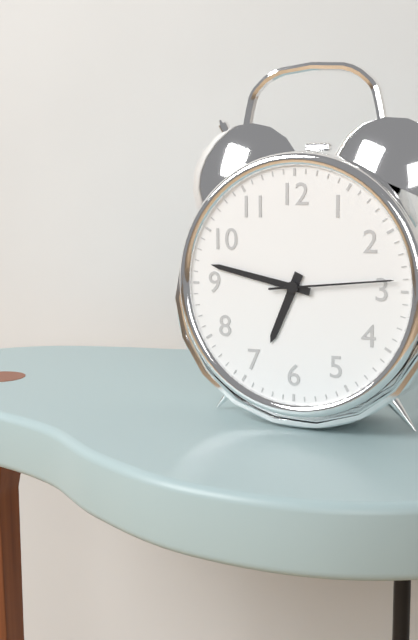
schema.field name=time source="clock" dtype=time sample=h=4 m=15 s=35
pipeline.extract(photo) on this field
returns h=6 m=47 s=14
